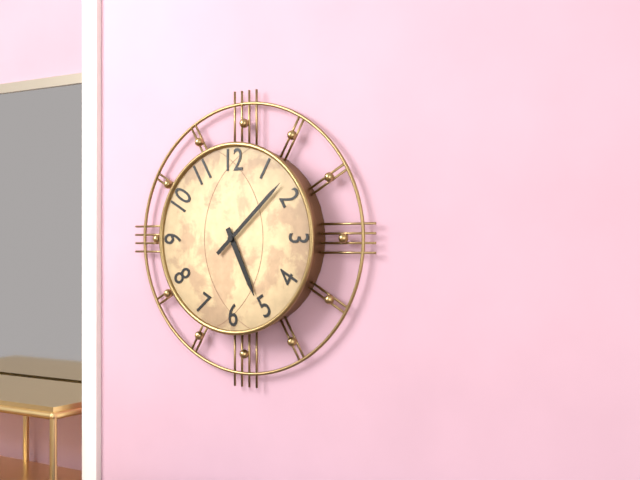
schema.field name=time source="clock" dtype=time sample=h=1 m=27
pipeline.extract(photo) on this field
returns h=5 m=8
